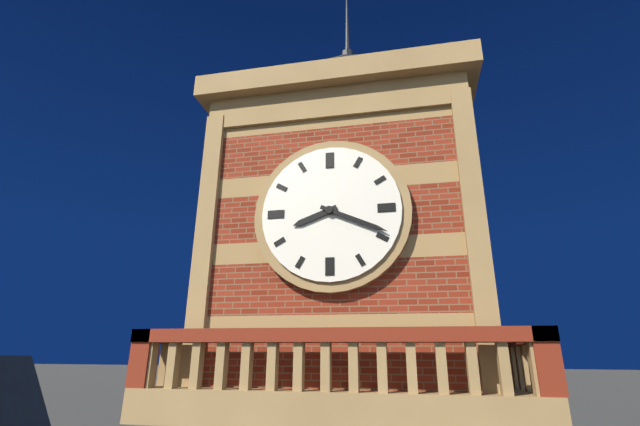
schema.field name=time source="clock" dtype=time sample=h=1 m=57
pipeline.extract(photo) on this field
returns h=8 m=19
